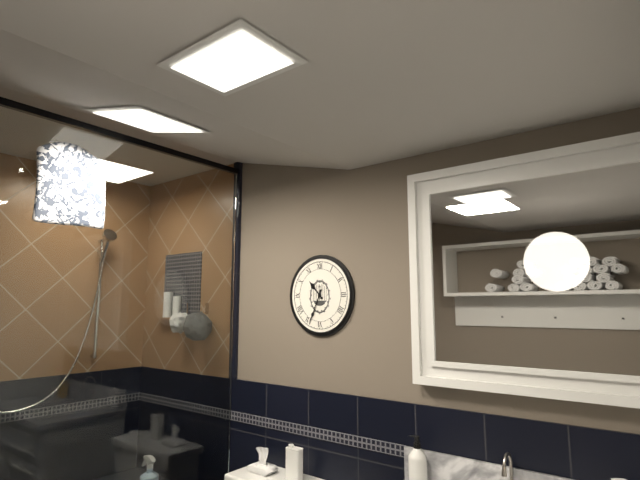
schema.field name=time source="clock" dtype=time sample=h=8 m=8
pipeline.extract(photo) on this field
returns h=10 m=34
